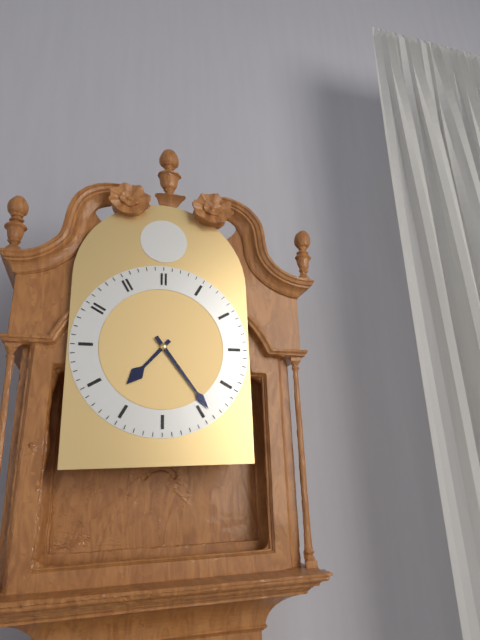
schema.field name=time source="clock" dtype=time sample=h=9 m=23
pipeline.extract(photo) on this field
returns h=7 m=24
